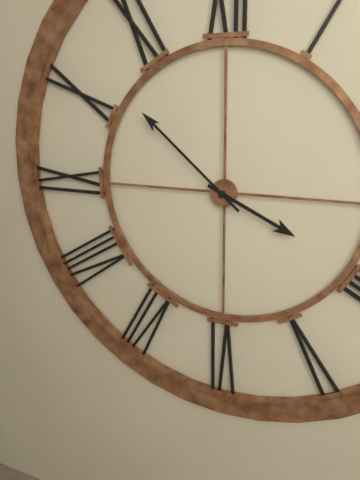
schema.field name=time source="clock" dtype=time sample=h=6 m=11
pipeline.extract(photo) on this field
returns h=3 m=52
